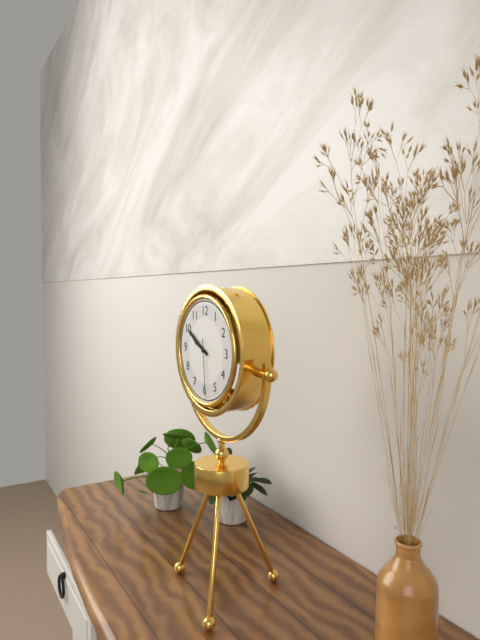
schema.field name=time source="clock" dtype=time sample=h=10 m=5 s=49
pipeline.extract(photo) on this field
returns h=9 m=50 s=29
